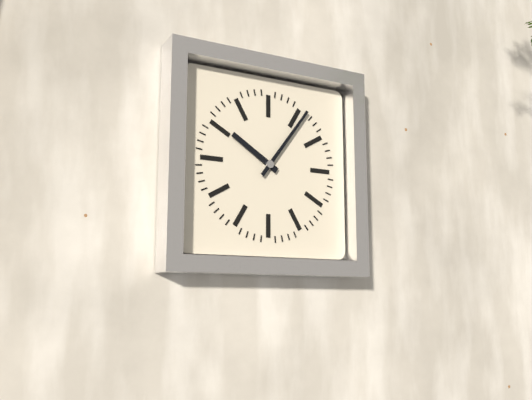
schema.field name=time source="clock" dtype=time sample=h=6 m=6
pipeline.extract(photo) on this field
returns h=10 m=6
